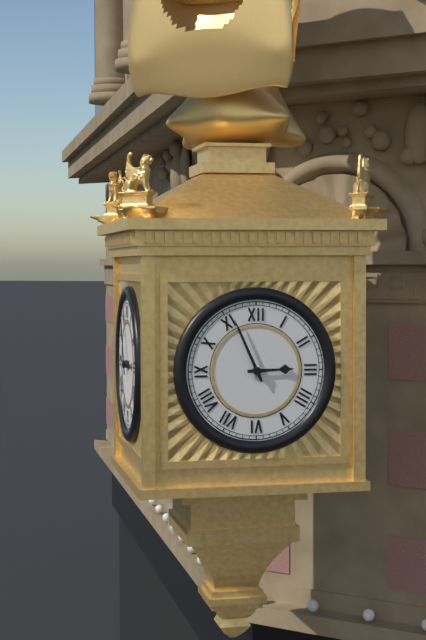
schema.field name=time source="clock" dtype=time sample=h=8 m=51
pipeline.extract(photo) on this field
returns h=2 m=56
